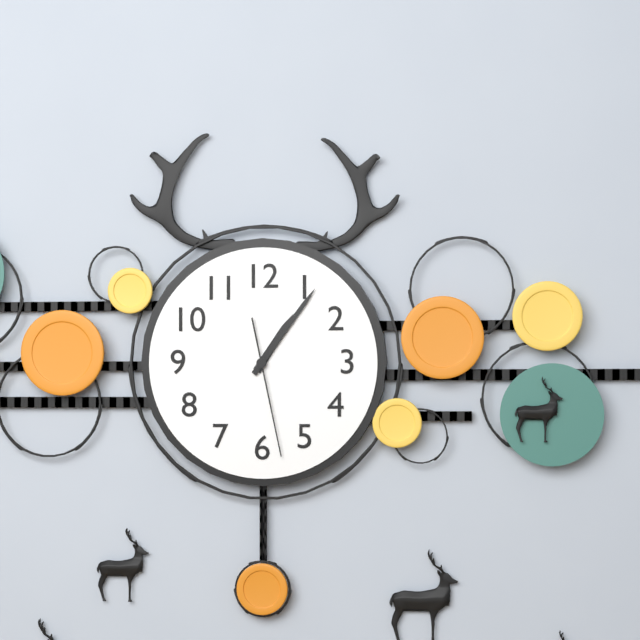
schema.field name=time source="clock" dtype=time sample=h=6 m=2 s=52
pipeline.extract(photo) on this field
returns h=1 m=6 s=28
